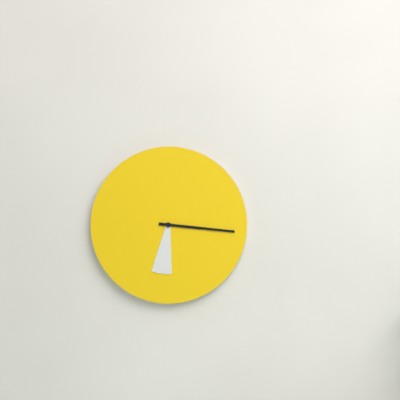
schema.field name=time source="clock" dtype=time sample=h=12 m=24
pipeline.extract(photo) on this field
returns h=6 m=16
